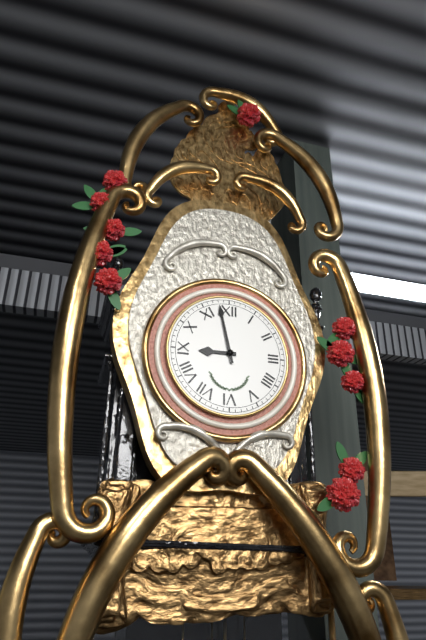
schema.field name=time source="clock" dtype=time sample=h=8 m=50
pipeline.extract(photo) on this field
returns h=8 m=58
